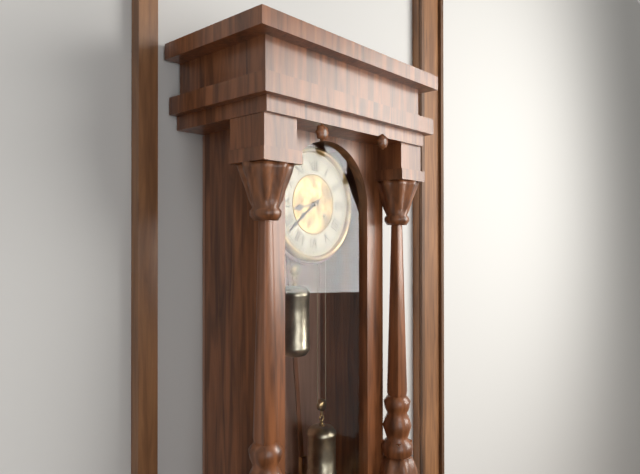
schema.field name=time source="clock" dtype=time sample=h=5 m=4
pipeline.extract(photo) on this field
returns h=8 m=39
